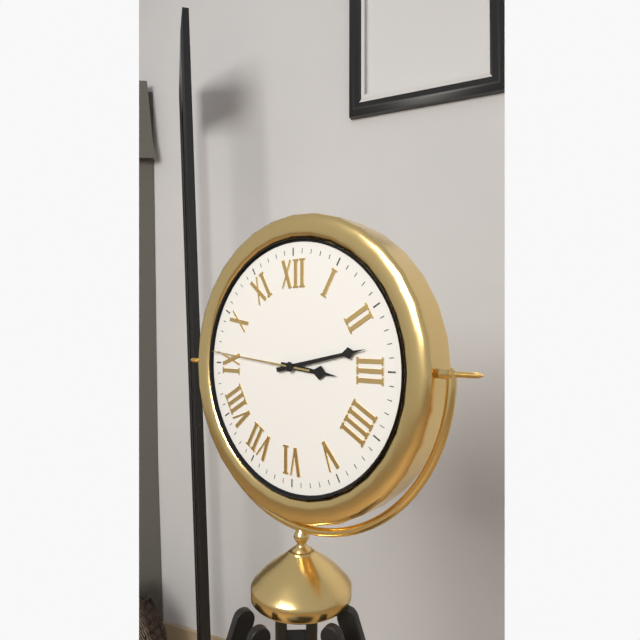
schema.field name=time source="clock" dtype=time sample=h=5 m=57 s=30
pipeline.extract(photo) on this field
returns h=3 m=13 s=46
